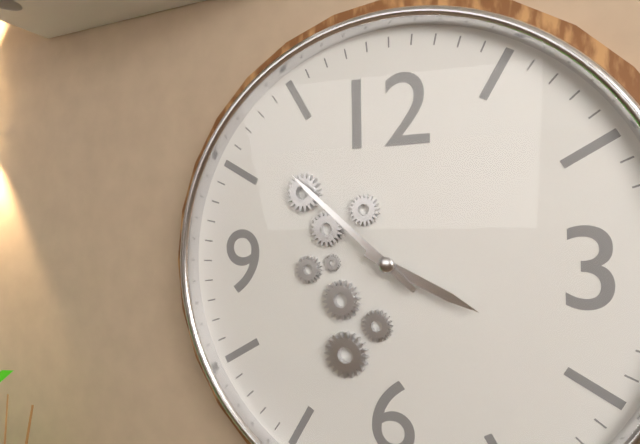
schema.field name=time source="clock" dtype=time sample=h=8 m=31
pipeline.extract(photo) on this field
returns h=3 m=52
